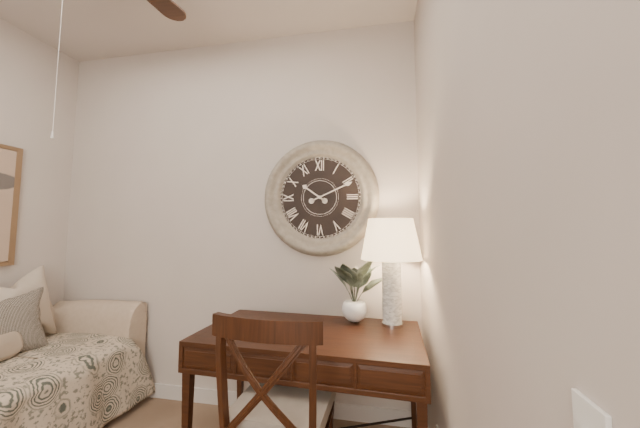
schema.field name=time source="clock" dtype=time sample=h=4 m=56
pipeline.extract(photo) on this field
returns h=10 m=11
